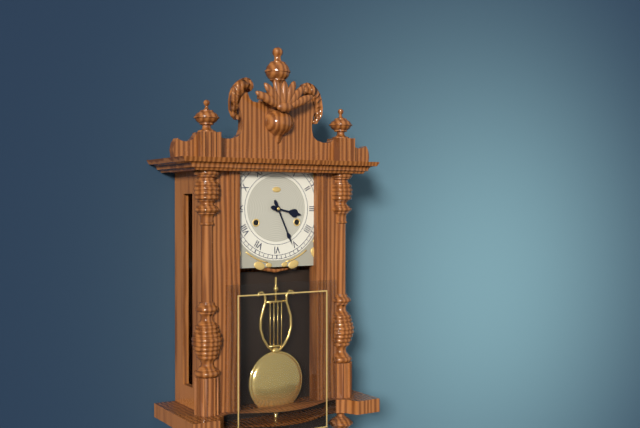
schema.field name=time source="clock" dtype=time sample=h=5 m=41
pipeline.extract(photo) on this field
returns h=3 m=26
